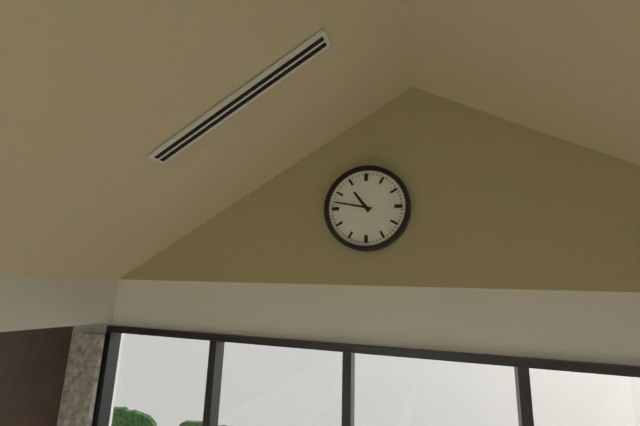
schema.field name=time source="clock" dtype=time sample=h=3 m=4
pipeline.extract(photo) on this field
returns h=10 m=47
